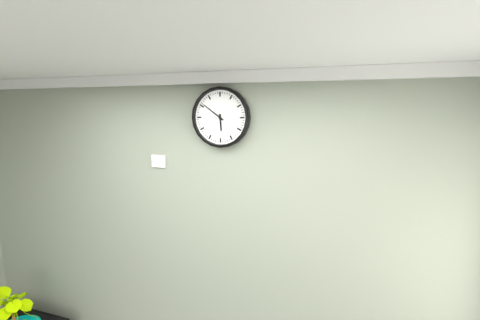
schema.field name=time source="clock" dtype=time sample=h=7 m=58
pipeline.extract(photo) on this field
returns h=5 m=51
